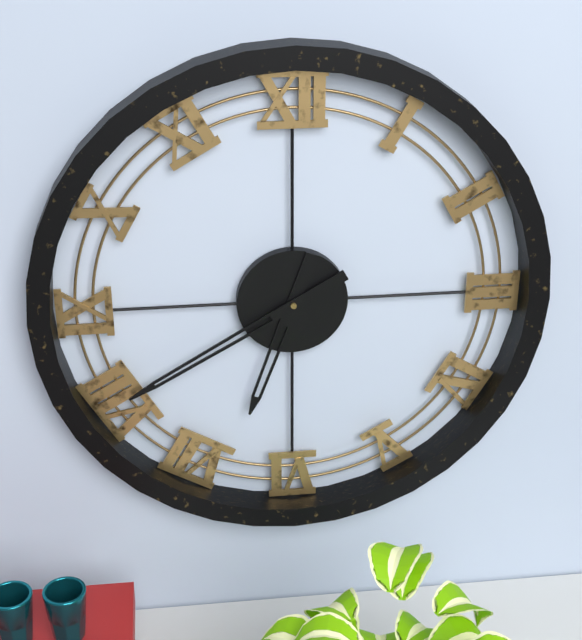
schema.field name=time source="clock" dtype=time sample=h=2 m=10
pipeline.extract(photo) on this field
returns h=6 m=40
